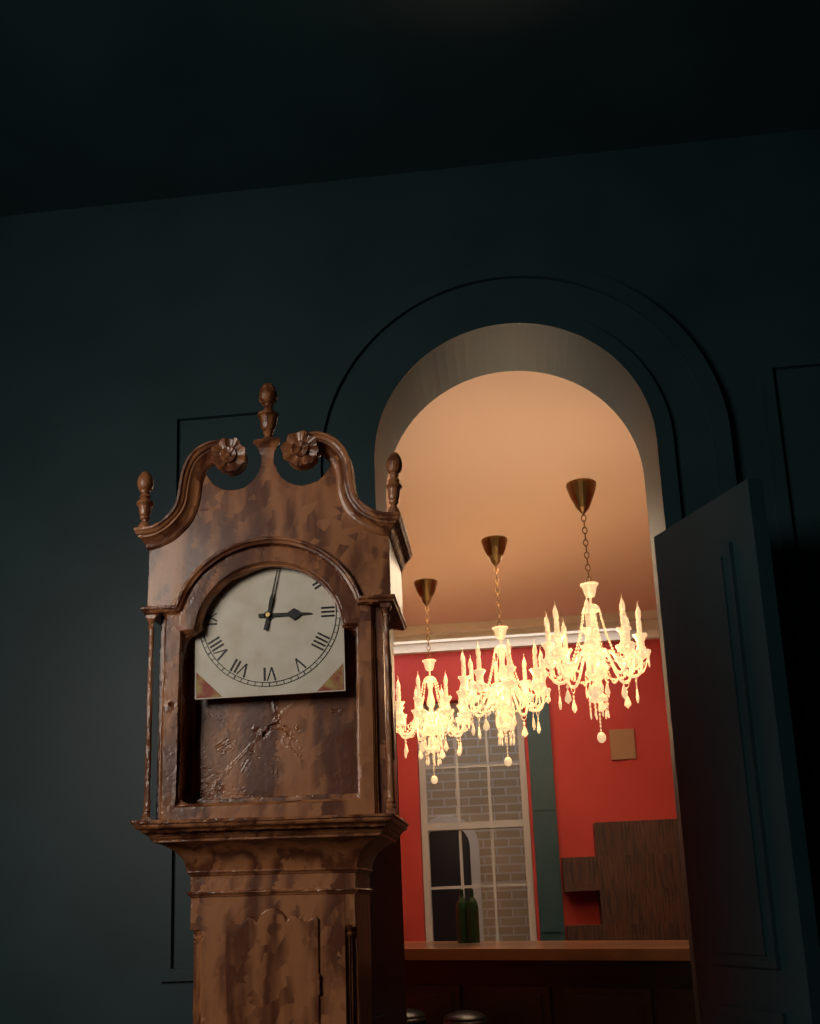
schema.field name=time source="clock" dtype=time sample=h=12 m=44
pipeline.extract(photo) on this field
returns h=3 m=2
